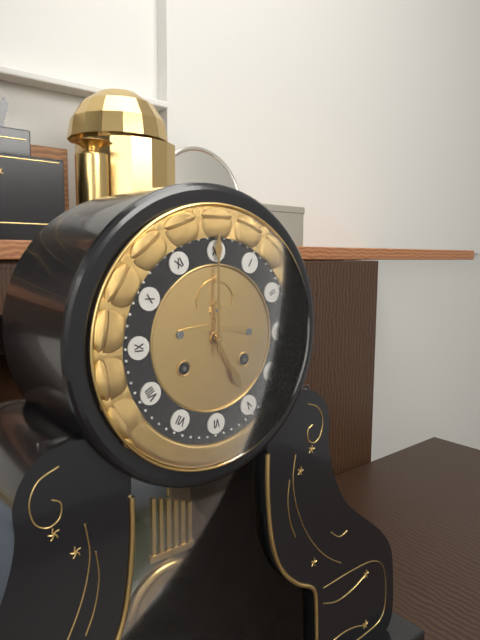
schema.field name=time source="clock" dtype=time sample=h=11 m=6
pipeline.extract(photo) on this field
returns h=5 m=0
